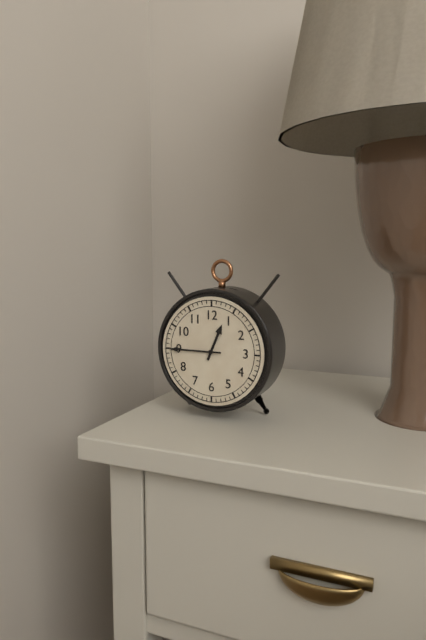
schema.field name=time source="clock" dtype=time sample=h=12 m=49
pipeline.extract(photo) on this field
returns h=12 m=45
